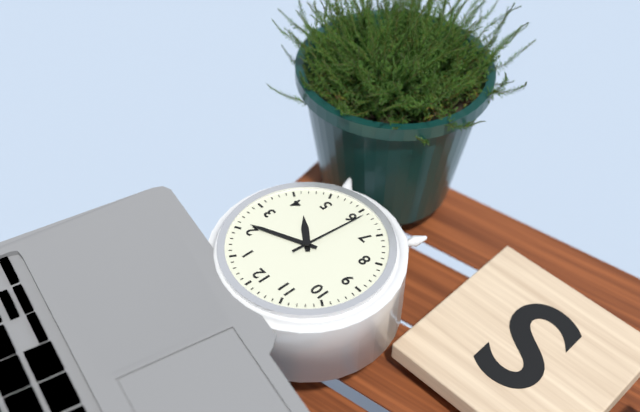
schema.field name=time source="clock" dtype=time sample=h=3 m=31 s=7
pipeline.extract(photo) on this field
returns h=4 m=11 s=31
